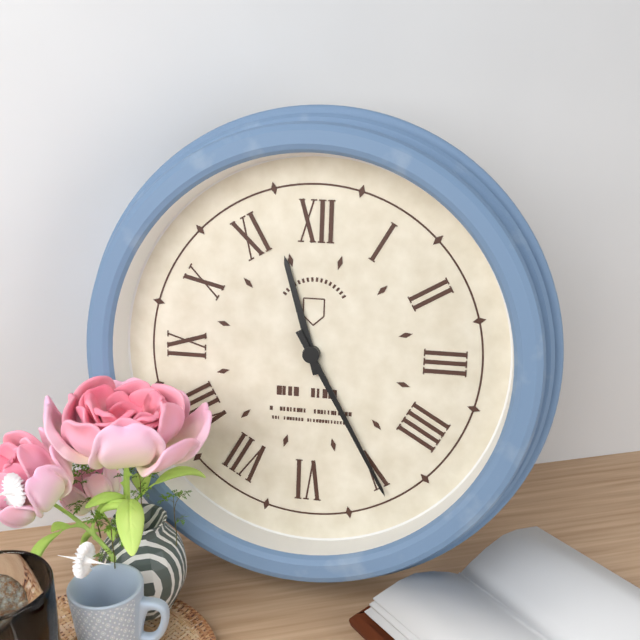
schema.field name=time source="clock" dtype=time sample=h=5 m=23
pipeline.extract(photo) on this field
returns h=11 m=25
